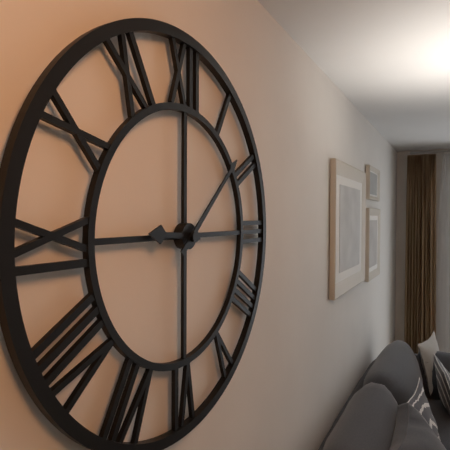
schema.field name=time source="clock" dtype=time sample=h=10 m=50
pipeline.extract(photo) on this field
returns h=9 m=8
